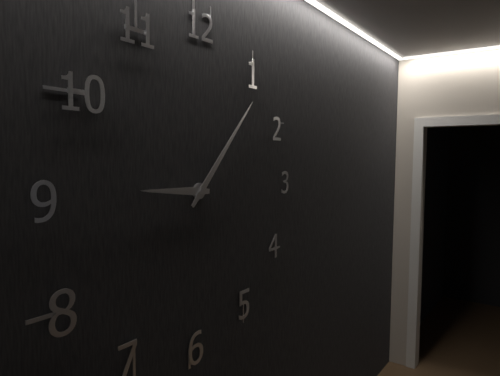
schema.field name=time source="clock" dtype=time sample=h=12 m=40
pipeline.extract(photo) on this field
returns h=9 m=7
